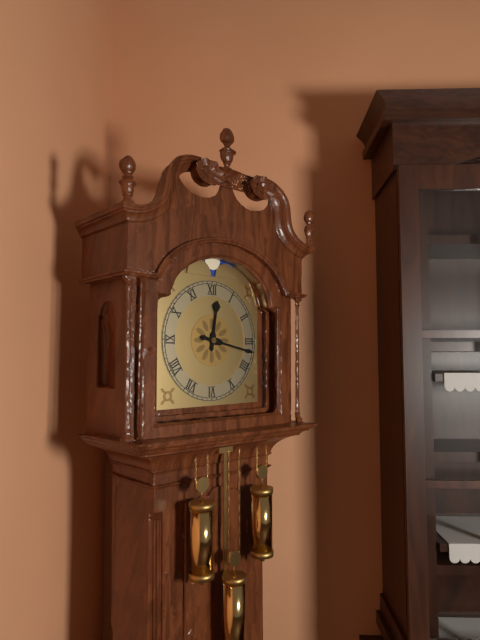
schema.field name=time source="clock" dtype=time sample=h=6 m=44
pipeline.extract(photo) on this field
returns h=12 m=17
